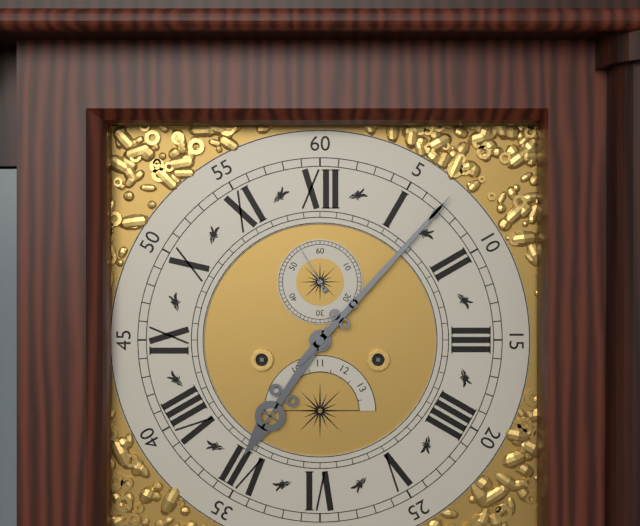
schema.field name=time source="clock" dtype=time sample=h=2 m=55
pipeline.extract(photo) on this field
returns h=7 m=7
